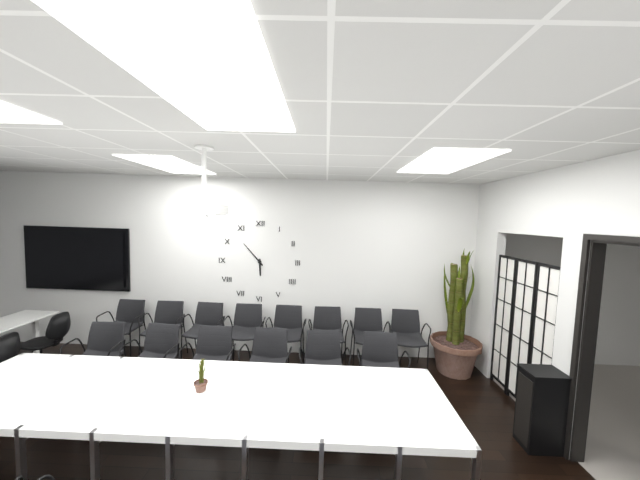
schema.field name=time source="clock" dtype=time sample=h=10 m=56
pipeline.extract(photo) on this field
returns h=5 m=53
